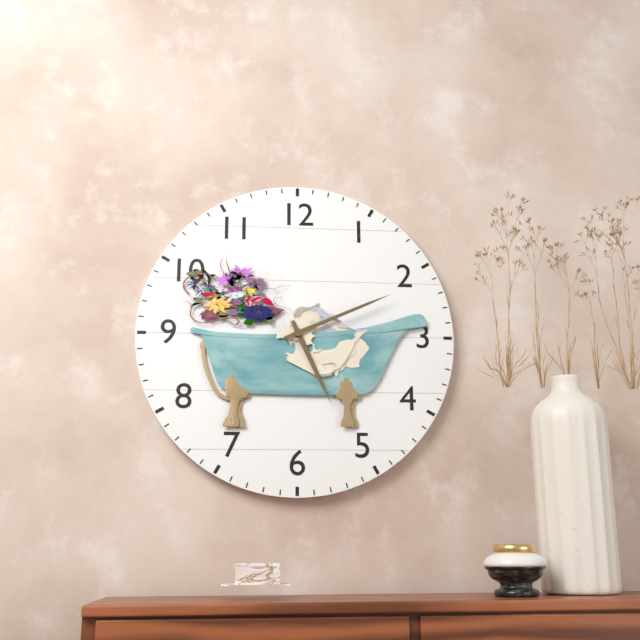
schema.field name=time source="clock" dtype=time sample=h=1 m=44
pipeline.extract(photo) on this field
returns h=5 m=11
